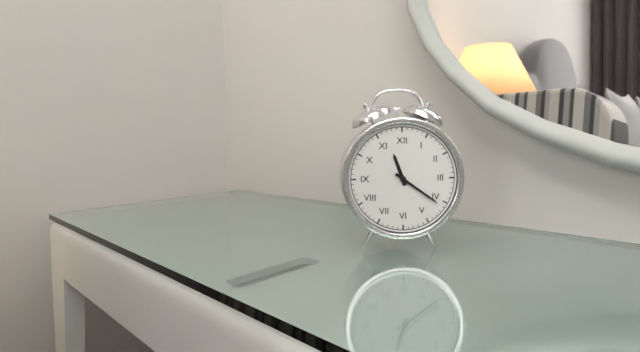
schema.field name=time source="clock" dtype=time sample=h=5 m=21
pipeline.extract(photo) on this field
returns h=11 m=21
